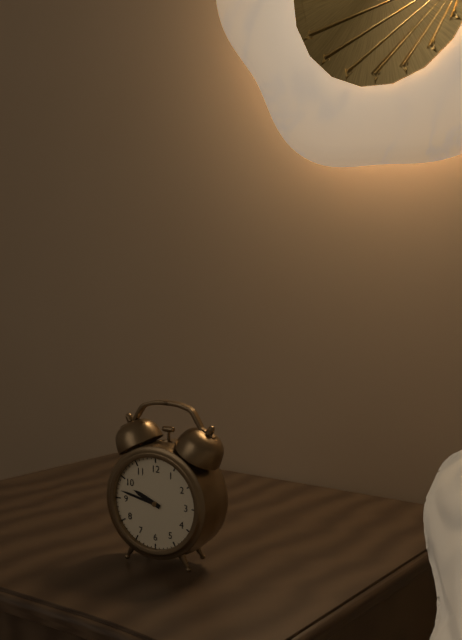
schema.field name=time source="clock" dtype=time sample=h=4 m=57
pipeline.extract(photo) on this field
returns h=9 m=47
